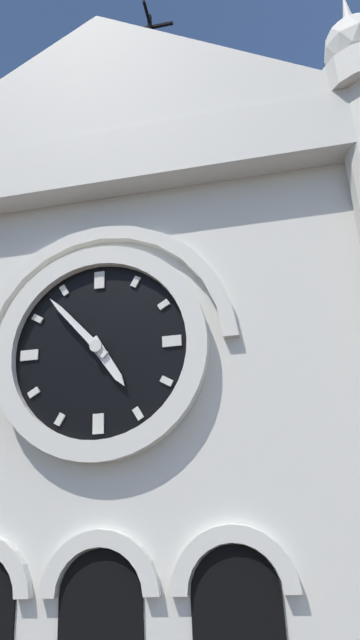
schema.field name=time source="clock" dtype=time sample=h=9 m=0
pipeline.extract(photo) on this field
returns h=4 m=53
